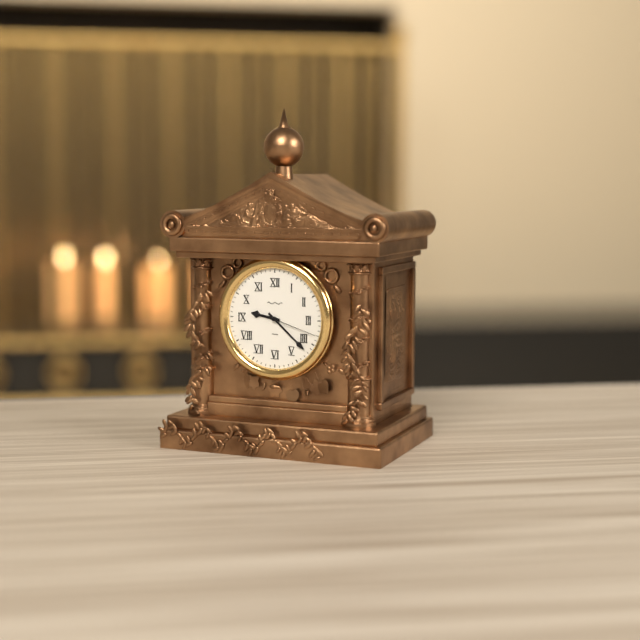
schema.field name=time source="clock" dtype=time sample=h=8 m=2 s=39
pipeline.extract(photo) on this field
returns h=9 m=22 s=18
